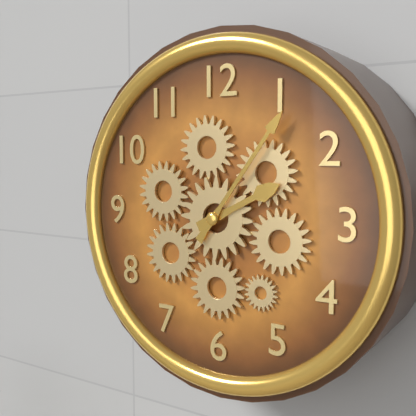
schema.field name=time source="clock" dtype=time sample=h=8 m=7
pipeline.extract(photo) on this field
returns h=2 m=6
